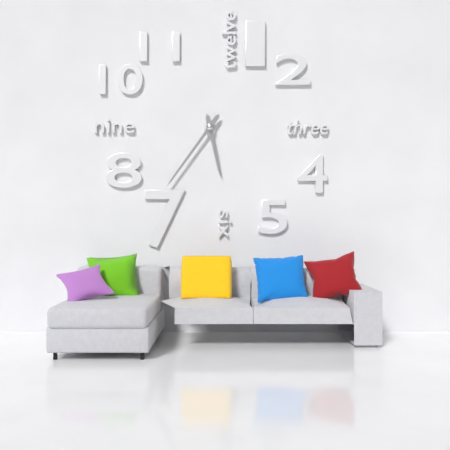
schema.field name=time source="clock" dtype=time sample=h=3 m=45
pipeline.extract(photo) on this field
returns h=5 m=36
